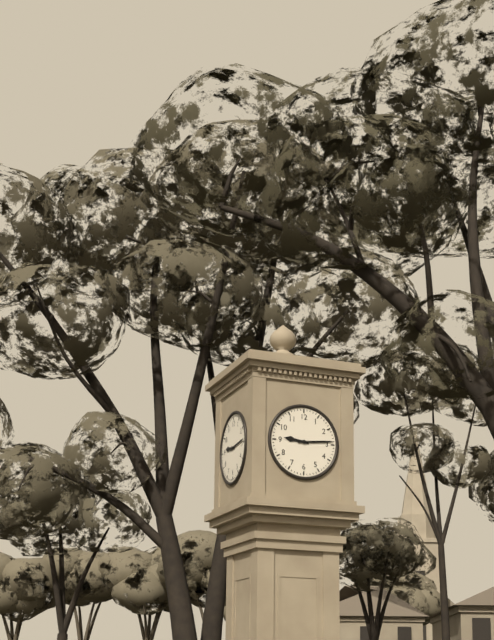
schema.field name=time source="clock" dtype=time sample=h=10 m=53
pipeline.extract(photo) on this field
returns h=9 m=14
